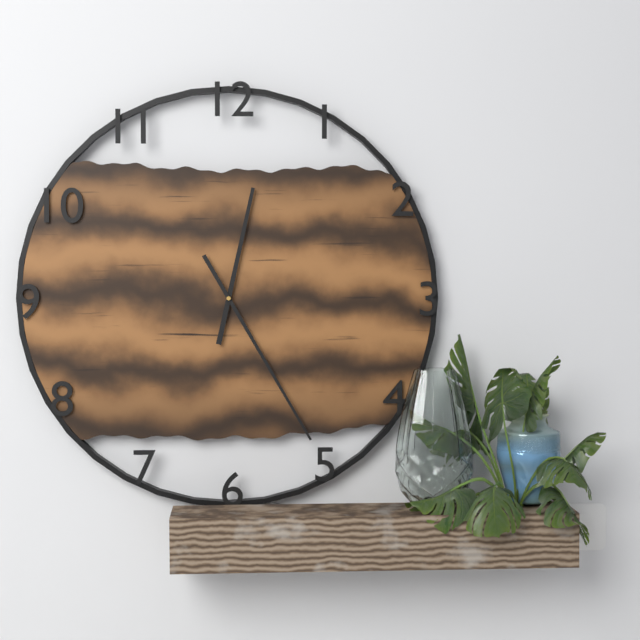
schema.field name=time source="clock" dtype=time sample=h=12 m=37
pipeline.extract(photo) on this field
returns h=12 m=25
